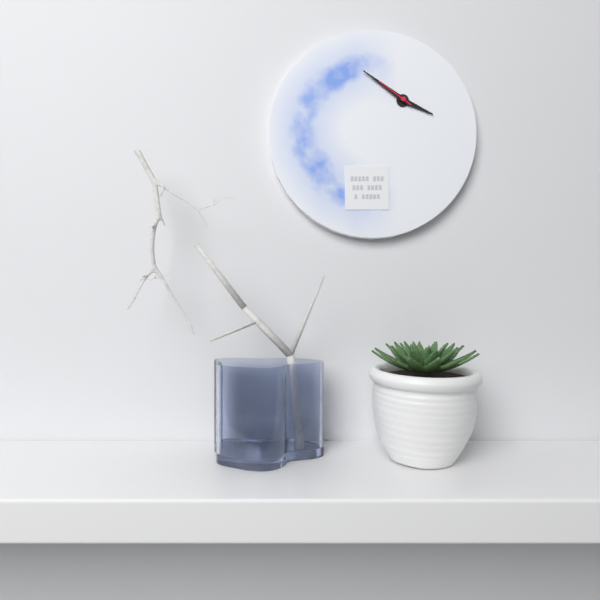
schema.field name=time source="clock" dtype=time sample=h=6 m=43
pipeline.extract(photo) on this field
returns h=3 m=51
